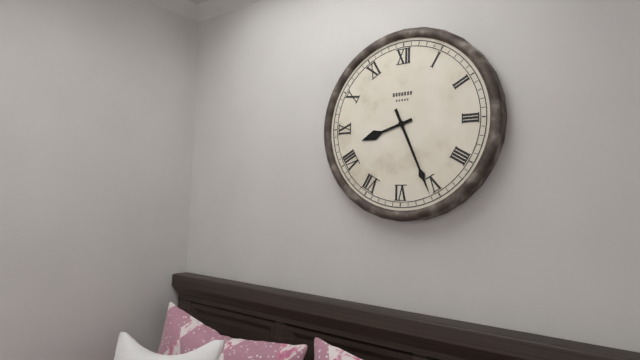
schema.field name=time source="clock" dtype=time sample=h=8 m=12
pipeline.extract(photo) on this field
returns h=8 m=26
